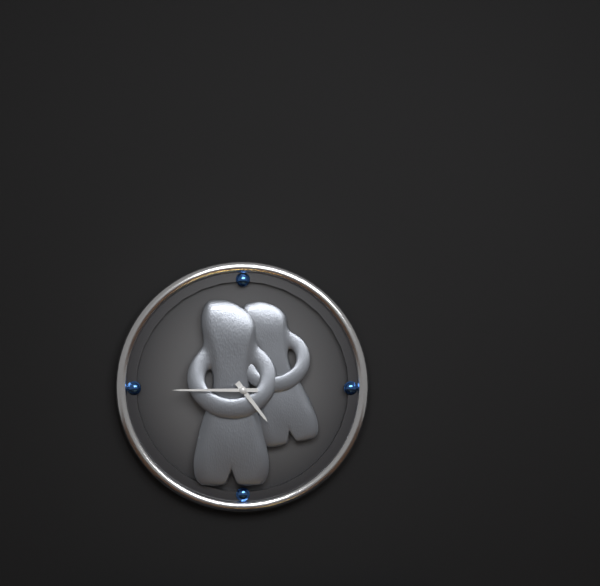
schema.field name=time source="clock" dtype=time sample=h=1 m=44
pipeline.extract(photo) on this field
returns h=4 m=45
